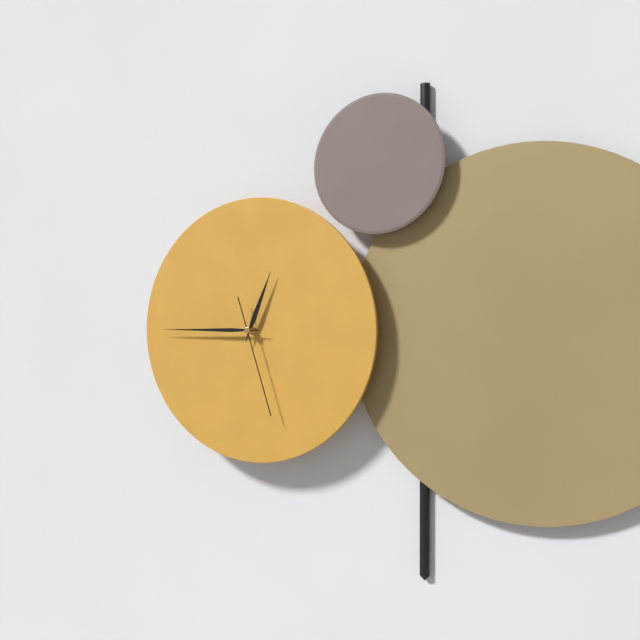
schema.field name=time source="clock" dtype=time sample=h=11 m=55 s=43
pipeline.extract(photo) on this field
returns h=12 m=45 s=27
